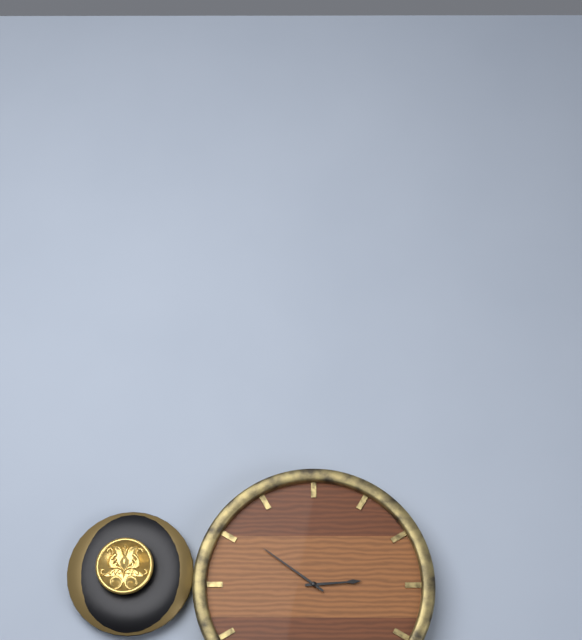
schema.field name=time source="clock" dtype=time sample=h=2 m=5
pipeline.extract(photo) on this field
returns h=2 m=51
